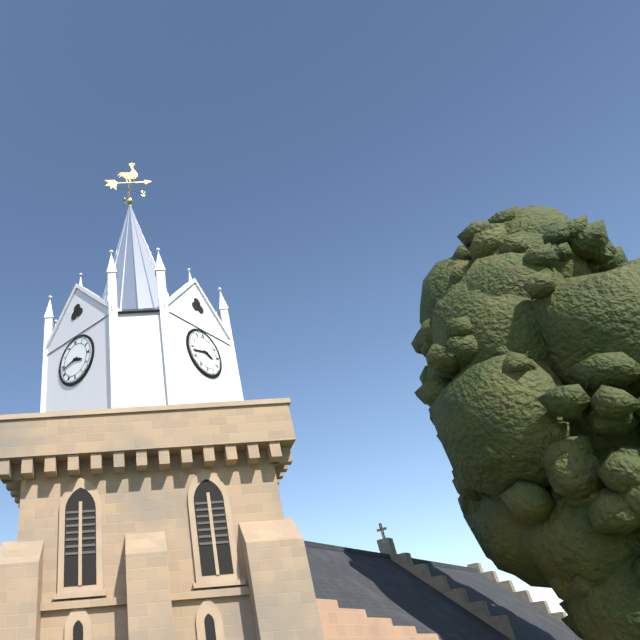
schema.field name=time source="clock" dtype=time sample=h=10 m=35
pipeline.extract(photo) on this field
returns h=3 m=43
